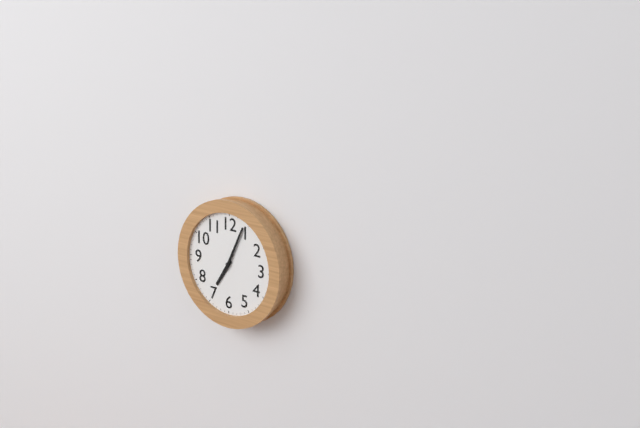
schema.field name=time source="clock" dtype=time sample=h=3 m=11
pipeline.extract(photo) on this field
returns h=7 m=4
